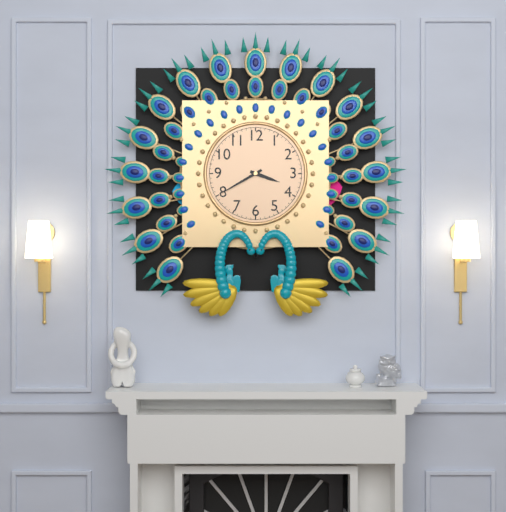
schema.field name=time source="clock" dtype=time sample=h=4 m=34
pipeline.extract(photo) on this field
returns h=3 m=40
